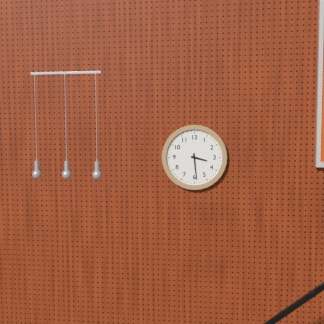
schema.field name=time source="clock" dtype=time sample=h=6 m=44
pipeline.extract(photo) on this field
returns h=3 m=29
